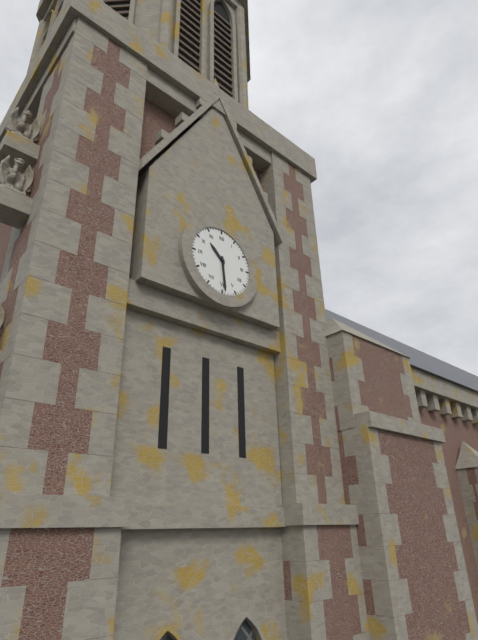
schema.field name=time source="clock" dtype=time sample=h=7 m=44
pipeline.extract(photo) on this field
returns h=10 m=29
